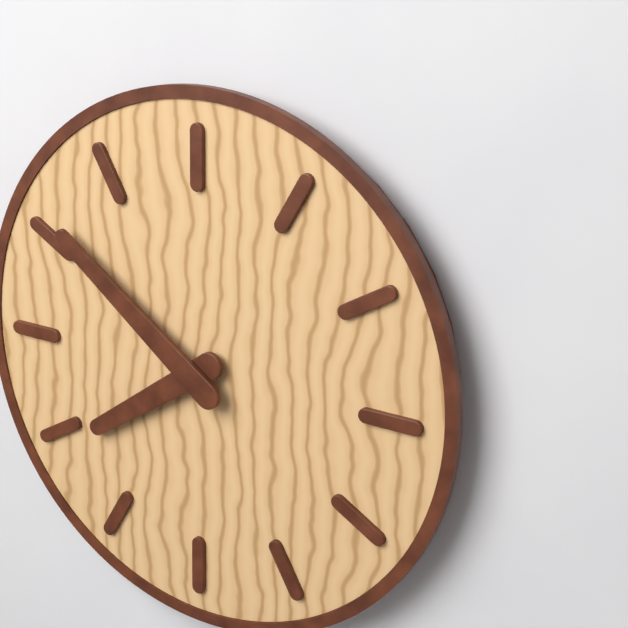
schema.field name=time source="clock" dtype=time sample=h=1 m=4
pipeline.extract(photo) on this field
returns h=7 m=51
